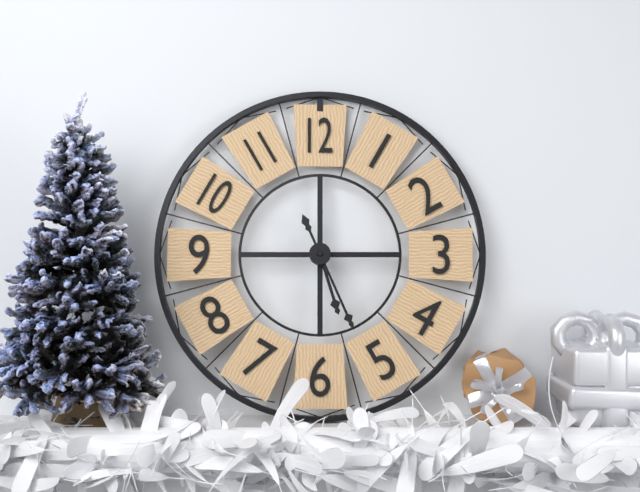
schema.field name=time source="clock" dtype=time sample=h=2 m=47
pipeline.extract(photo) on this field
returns h=5 m=26
